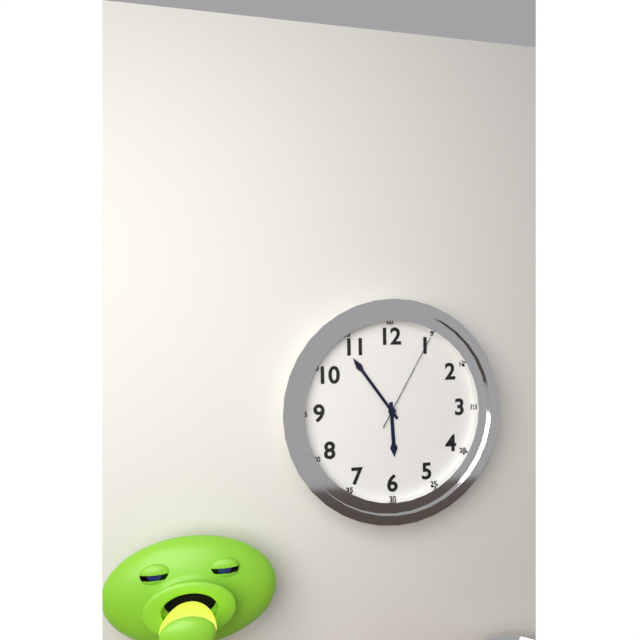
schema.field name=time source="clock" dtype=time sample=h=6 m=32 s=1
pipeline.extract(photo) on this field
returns h=5 m=54 s=5
